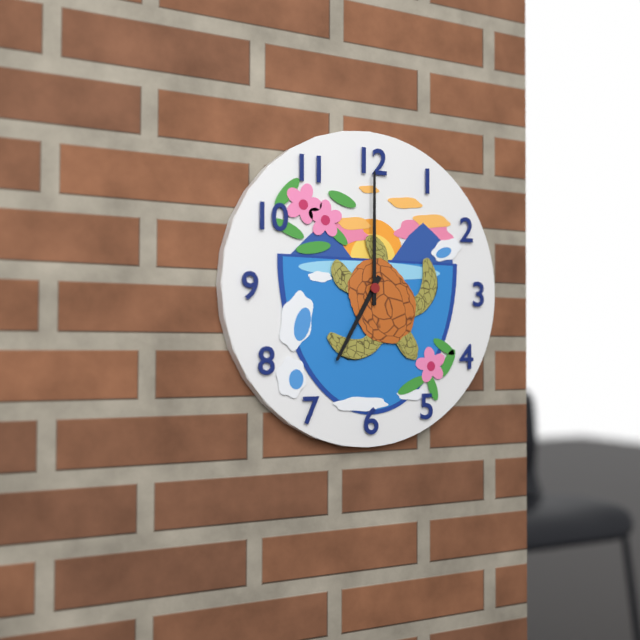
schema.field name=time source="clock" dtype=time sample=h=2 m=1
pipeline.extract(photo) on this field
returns h=7 m=0
